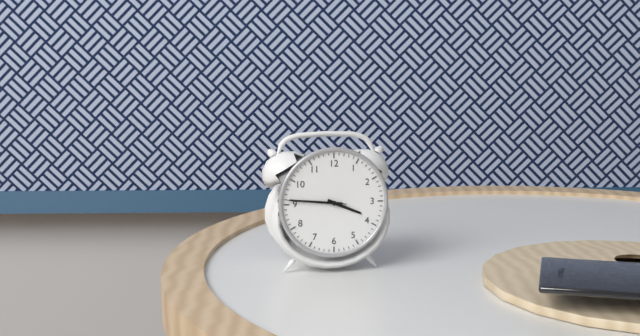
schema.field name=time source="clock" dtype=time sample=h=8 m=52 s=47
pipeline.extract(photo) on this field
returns h=3 m=46 s=46
